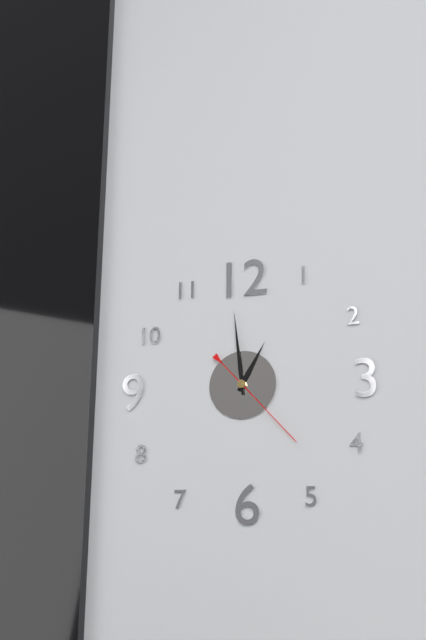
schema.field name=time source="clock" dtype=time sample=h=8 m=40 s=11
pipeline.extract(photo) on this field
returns h=12 m=59 s=23
